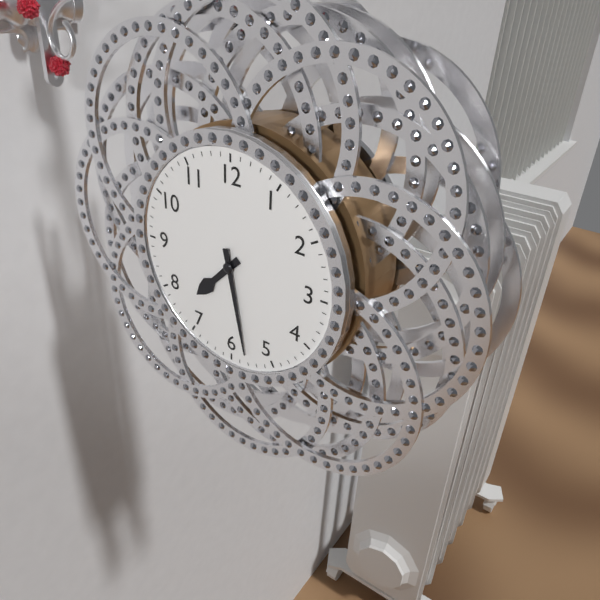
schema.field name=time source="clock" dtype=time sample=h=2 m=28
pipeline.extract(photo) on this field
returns h=7 m=28
